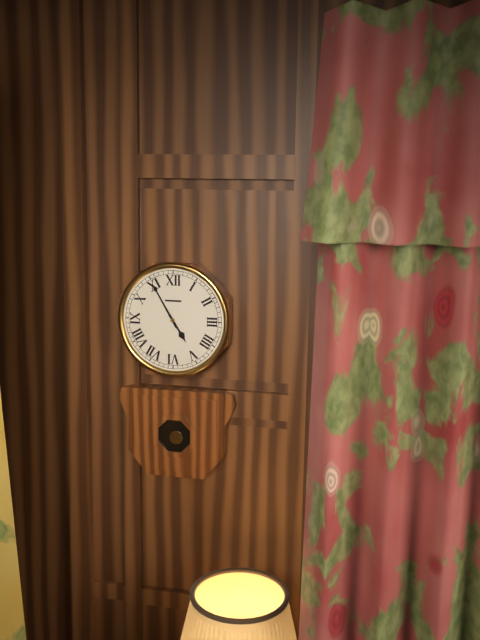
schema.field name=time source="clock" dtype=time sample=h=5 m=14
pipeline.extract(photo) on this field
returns h=4 m=55
